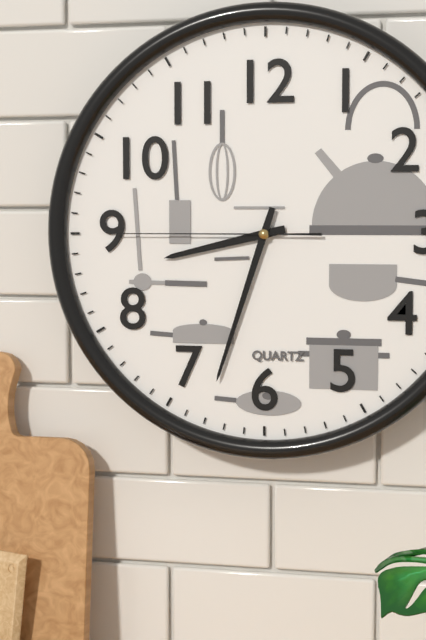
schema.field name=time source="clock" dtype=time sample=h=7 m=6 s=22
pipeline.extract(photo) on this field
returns h=8 m=33 s=45
